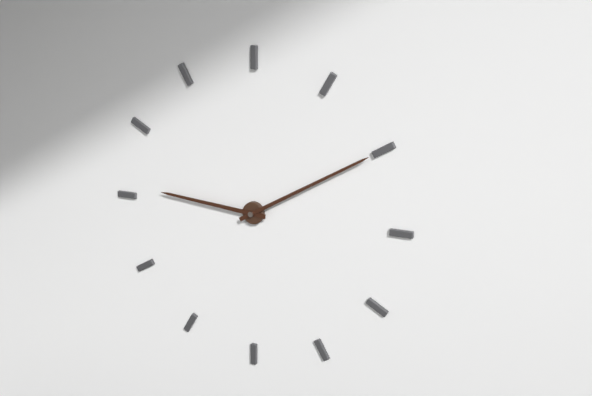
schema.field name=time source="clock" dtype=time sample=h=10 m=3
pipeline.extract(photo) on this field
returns h=9 m=10
